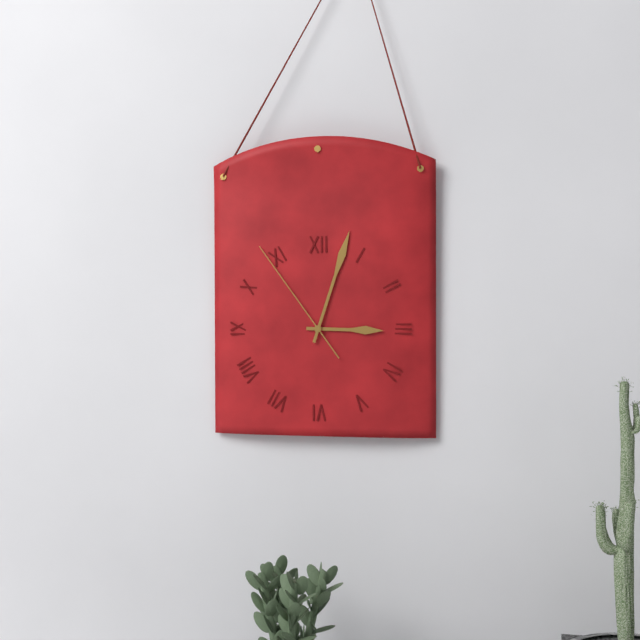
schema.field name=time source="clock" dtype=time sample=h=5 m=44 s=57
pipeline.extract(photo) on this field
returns h=3 m=3 s=54
